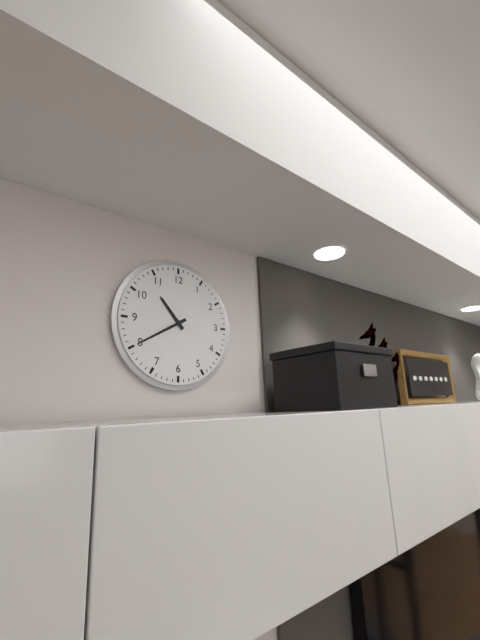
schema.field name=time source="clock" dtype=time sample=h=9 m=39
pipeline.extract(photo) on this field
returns h=10 m=40
